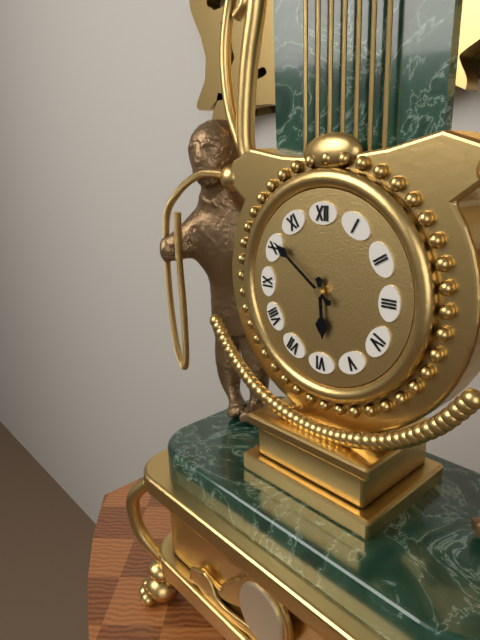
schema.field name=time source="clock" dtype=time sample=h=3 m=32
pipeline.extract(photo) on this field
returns h=5 m=51
